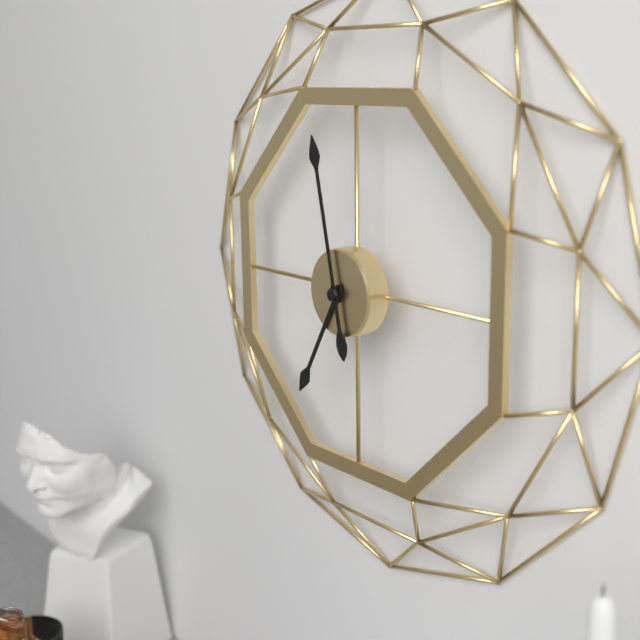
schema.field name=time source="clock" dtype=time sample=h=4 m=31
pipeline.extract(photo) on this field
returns h=6 m=58
